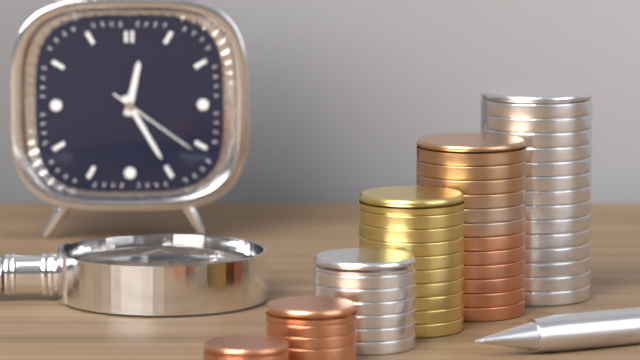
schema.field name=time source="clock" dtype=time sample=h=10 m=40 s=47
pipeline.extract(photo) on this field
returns h=12 m=25 s=21
